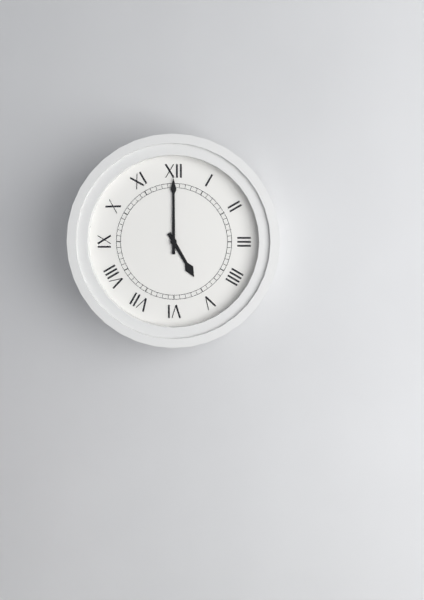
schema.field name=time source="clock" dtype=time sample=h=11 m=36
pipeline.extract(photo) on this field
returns h=5 m=0
